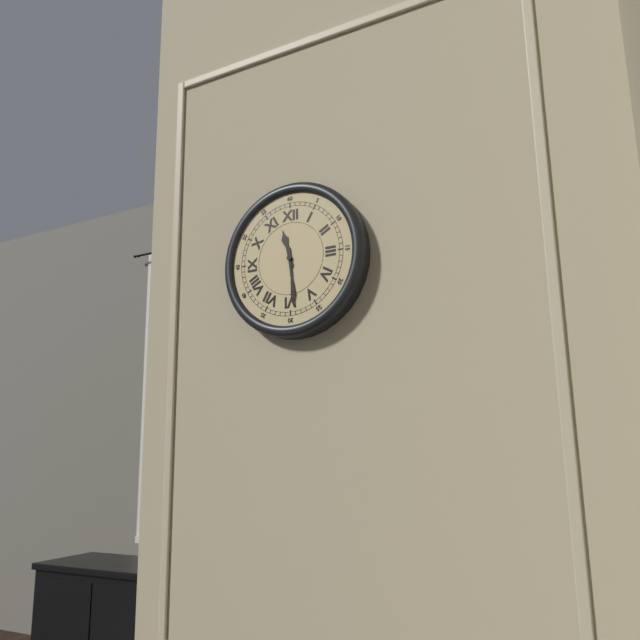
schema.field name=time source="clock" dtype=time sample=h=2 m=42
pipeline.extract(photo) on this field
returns h=11 m=29
